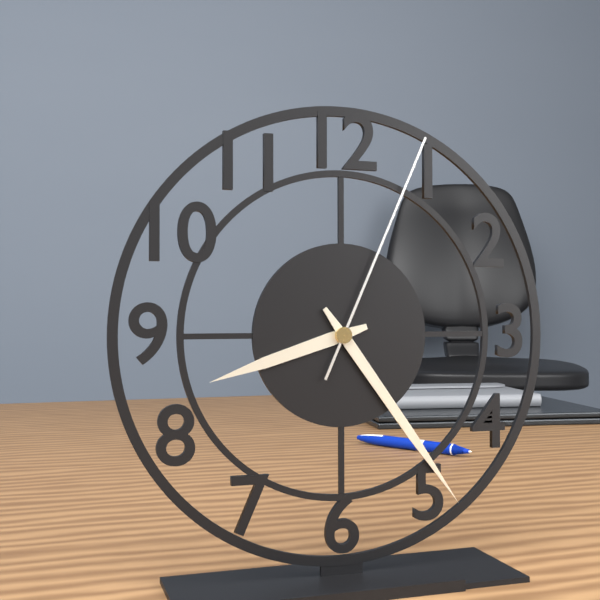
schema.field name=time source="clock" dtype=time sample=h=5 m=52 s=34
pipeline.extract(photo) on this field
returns h=8 m=24 s=4
